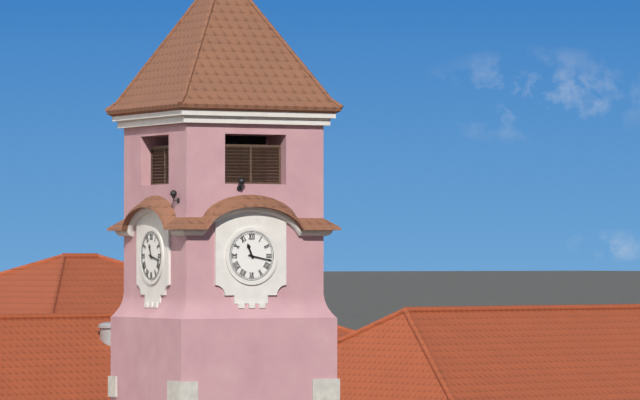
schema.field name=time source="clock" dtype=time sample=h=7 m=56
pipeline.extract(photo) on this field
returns h=11 m=17
